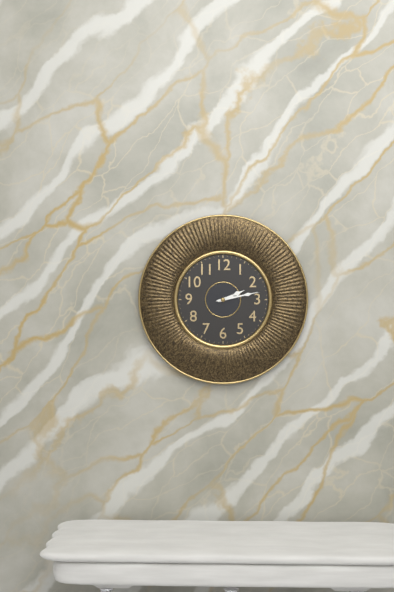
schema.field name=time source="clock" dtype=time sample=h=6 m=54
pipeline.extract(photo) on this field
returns h=2 m=13
